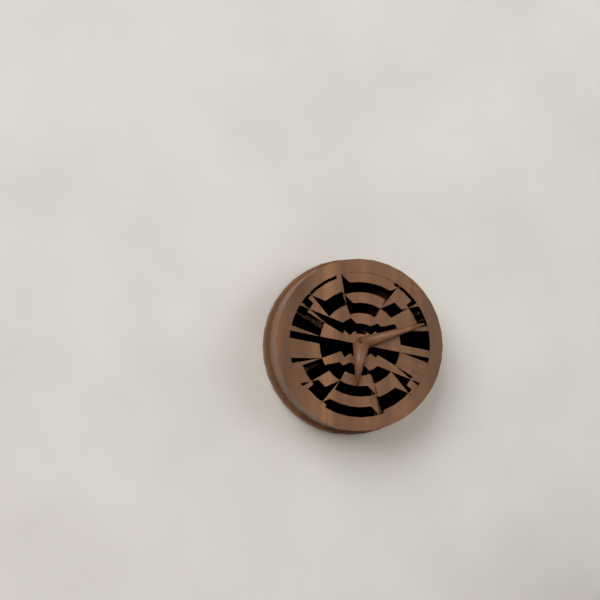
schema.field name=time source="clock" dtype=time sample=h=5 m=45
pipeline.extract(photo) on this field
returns h=6 m=12
